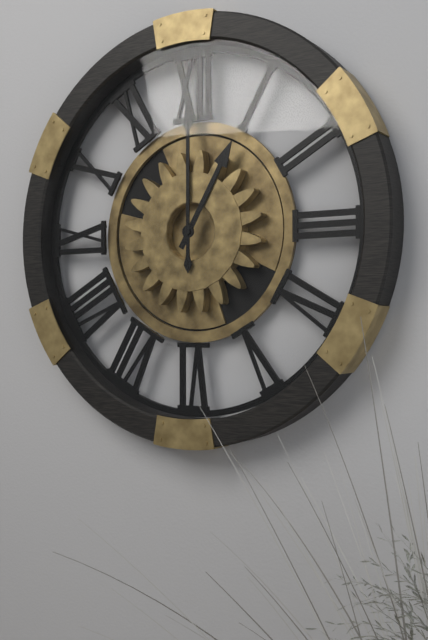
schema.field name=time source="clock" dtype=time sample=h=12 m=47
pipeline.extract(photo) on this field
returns h=1 m=0
